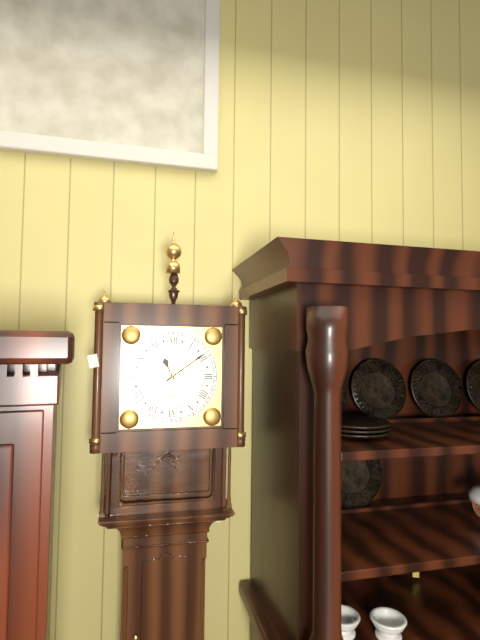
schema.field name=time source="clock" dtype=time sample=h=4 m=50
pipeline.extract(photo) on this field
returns h=11 m=9
